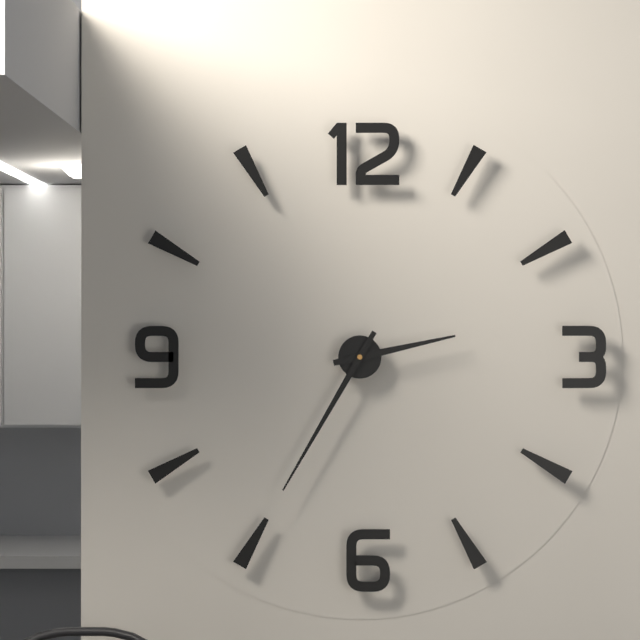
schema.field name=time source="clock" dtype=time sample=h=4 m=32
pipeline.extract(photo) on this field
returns h=2 m=35
